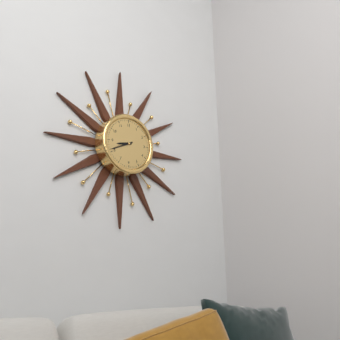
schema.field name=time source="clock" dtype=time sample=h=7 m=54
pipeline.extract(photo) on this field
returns h=8 m=41
